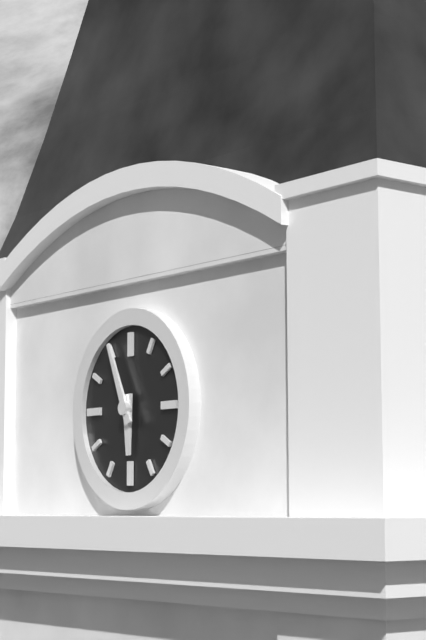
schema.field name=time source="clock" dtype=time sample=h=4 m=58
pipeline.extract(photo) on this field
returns h=5 m=56
